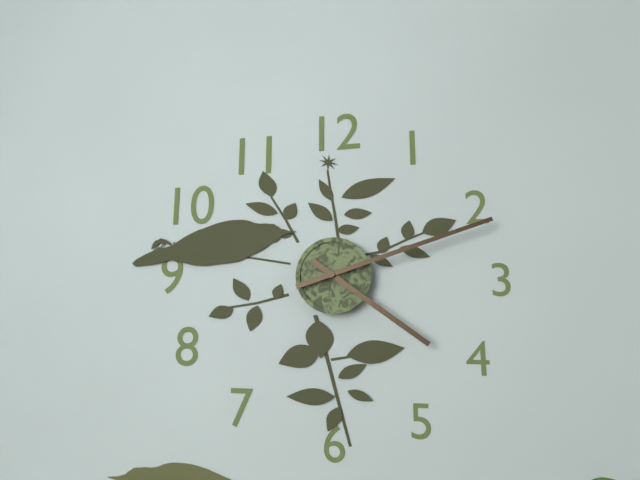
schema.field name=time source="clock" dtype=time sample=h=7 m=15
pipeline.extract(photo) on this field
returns h=4 m=12
